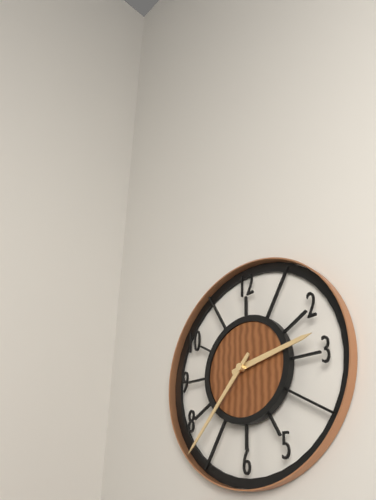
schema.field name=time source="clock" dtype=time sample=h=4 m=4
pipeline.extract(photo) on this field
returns h=2 m=37
